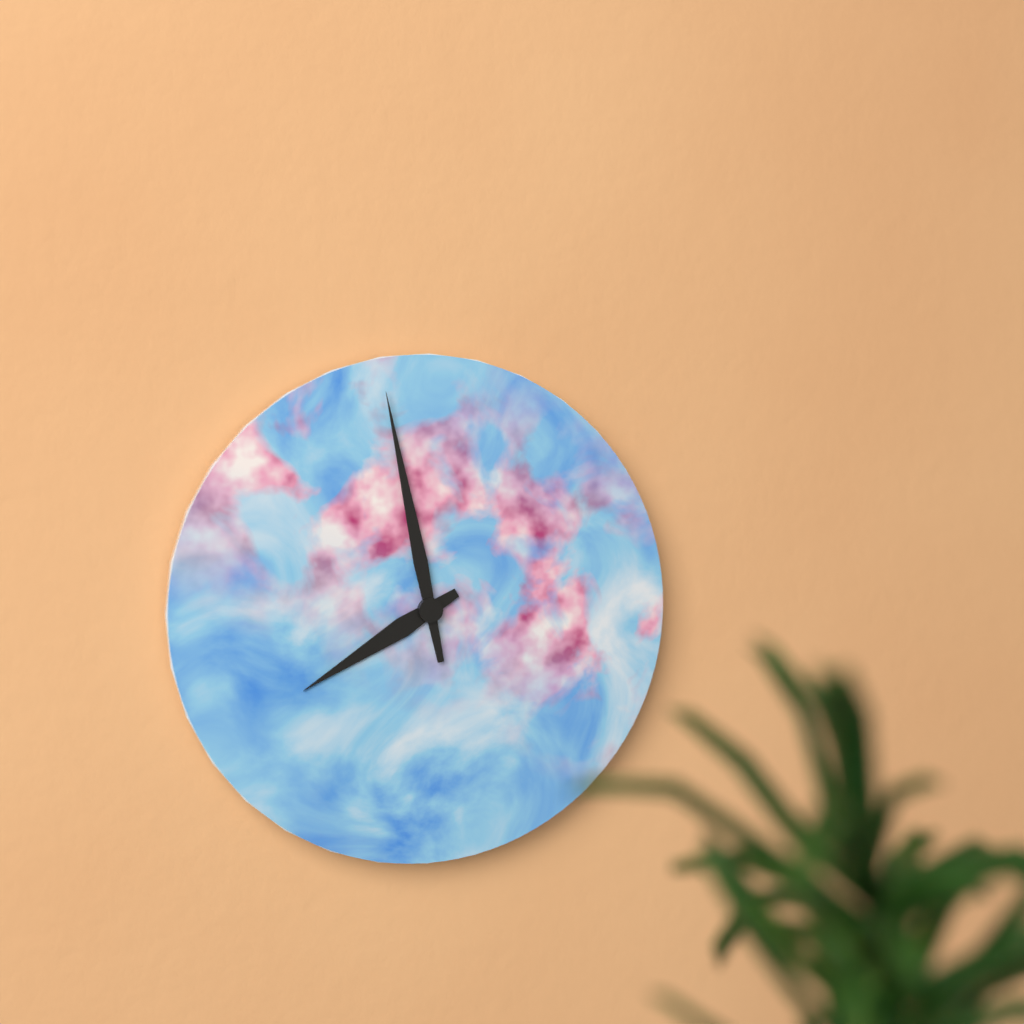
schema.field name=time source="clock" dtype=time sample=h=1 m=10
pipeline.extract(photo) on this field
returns h=7 m=58
